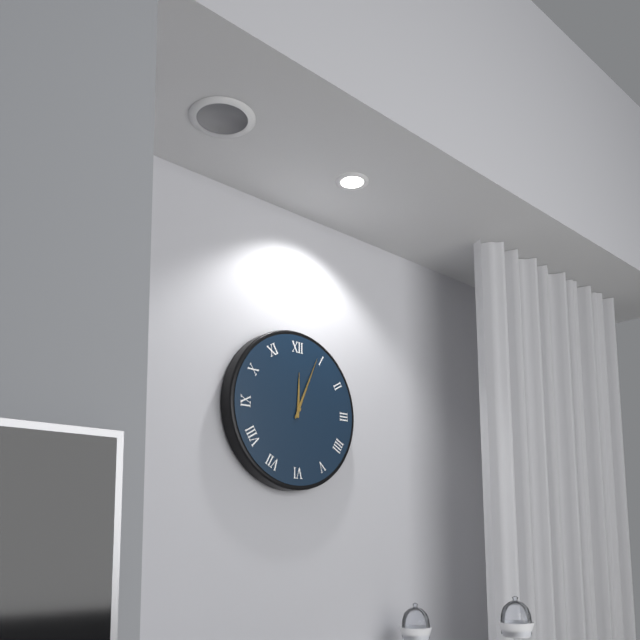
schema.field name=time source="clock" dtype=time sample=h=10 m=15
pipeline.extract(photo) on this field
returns h=12 m=4
